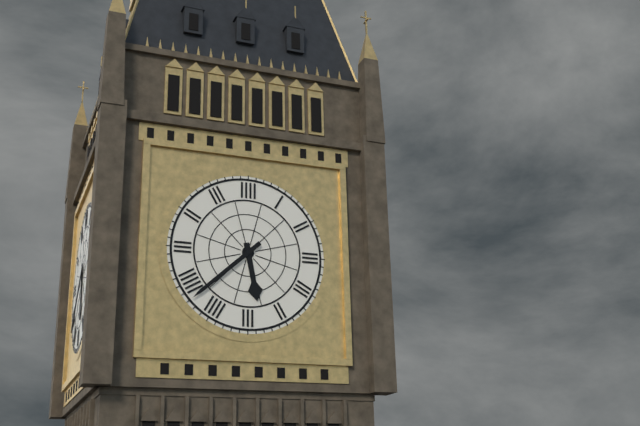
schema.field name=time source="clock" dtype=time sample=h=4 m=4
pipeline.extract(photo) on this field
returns h=5 m=38
